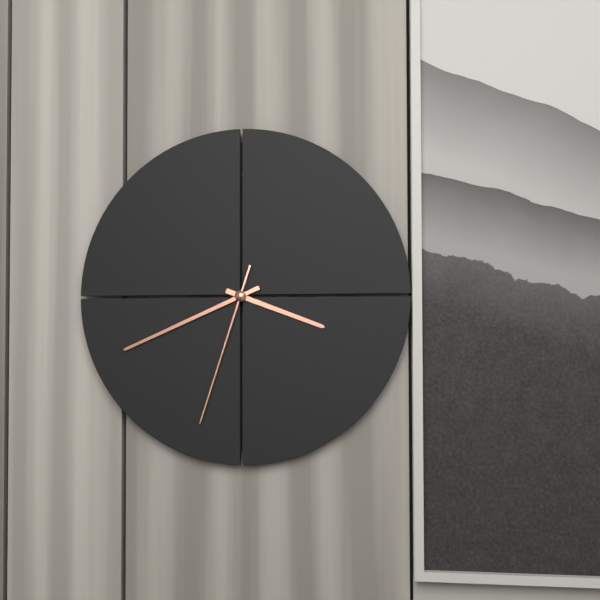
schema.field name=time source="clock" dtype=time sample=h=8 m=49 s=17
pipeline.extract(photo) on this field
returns h=3 m=41 s=33
